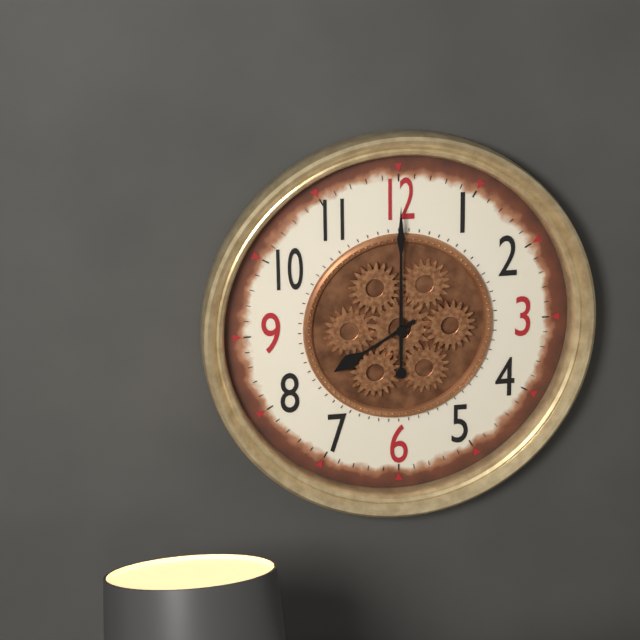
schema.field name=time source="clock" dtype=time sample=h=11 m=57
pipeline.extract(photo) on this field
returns h=8 m=0
